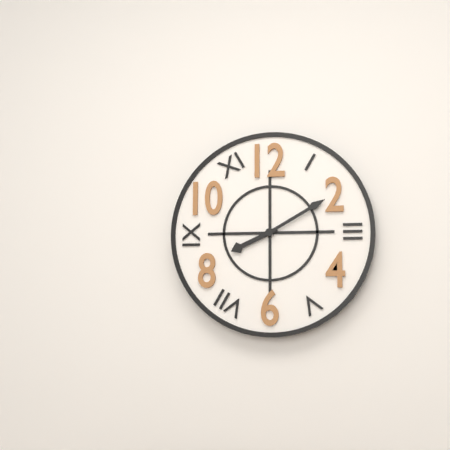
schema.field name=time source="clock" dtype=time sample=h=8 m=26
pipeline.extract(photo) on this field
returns h=8 m=10
